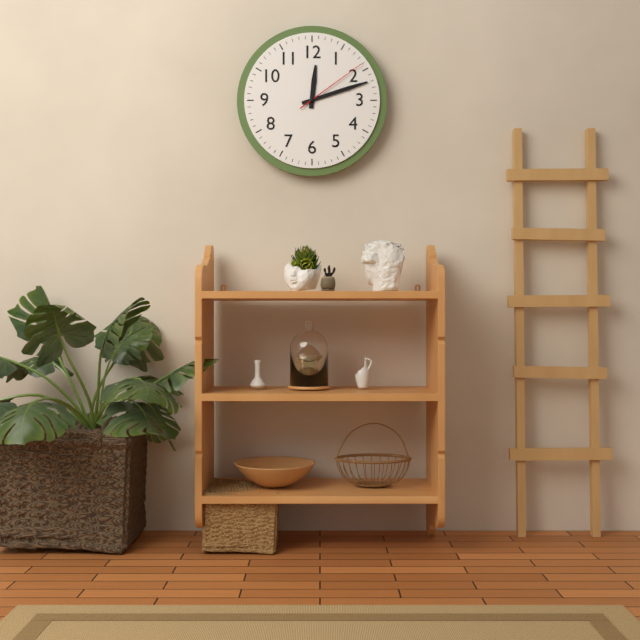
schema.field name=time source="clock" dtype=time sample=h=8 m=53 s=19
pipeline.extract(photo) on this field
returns h=12 m=12 s=9
